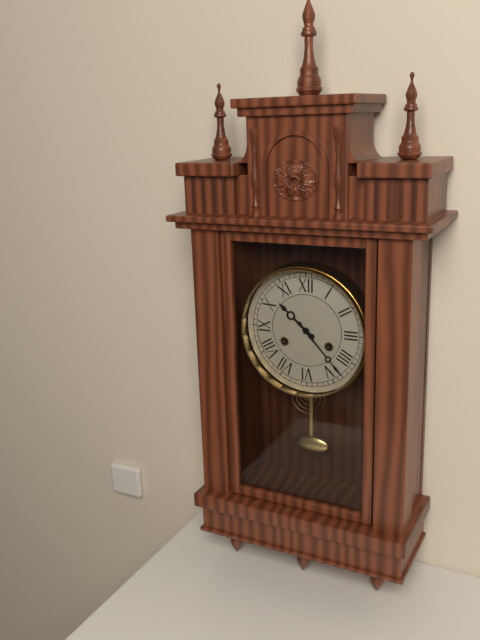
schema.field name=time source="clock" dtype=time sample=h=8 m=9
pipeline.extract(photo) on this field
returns h=10 m=23
